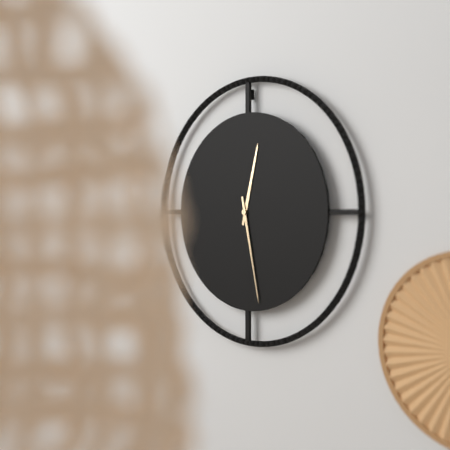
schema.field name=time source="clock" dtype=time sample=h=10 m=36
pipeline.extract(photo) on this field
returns h=12 m=28
